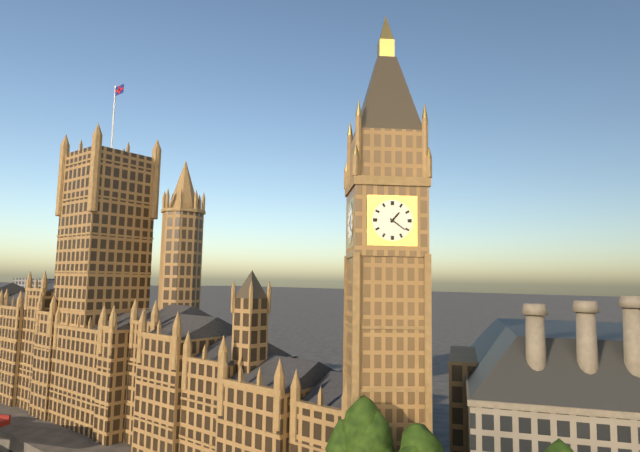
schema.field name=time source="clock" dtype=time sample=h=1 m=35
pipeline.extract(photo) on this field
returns h=1 m=21
